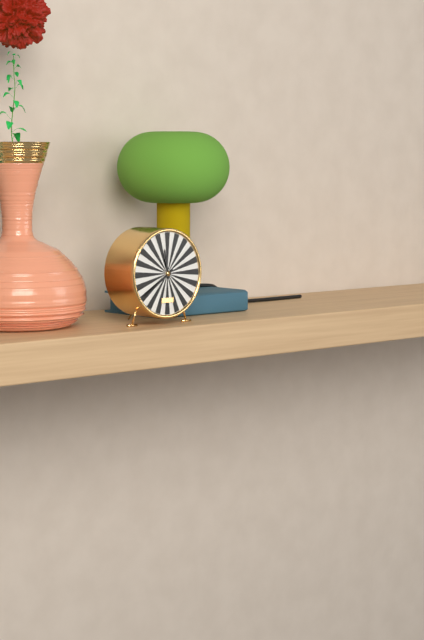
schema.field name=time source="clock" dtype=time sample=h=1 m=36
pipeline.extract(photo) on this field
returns h=11 m=39
